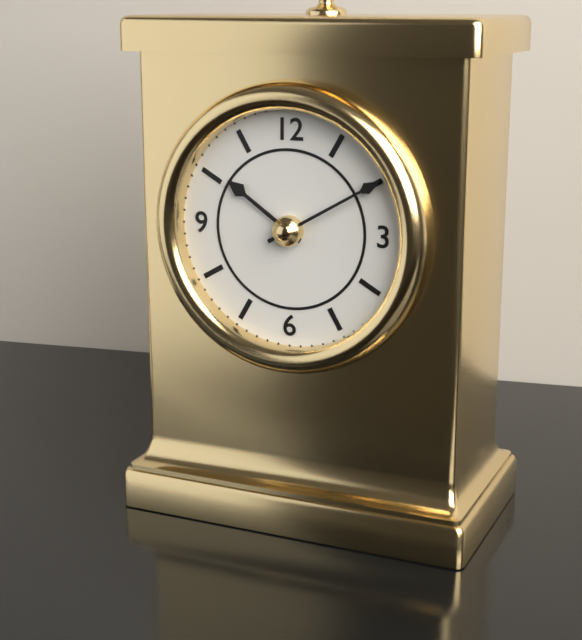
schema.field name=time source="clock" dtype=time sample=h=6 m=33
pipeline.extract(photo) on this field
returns h=10 m=10
